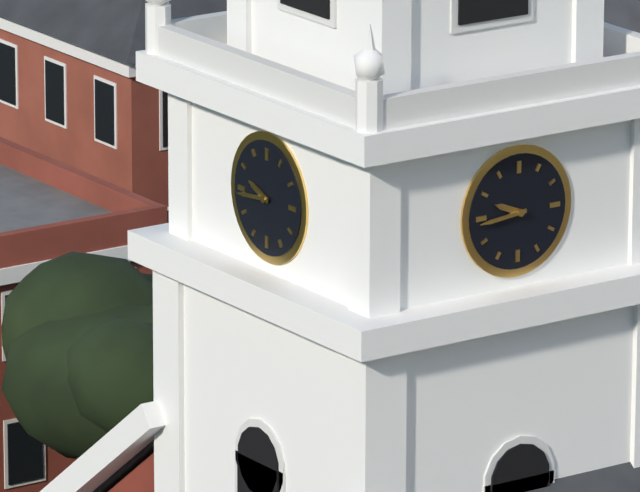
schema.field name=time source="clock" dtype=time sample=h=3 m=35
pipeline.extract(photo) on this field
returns h=9 m=44
